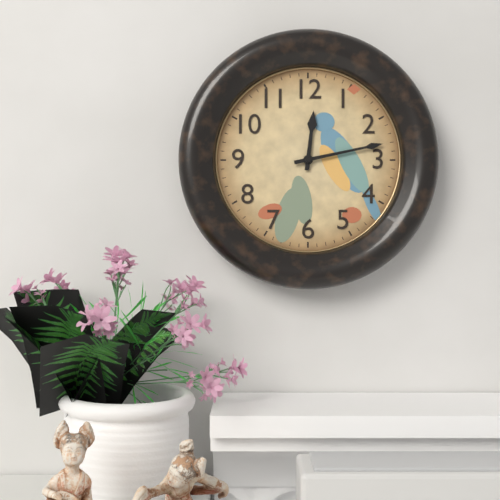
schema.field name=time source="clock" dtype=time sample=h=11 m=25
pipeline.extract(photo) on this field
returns h=12 m=13
